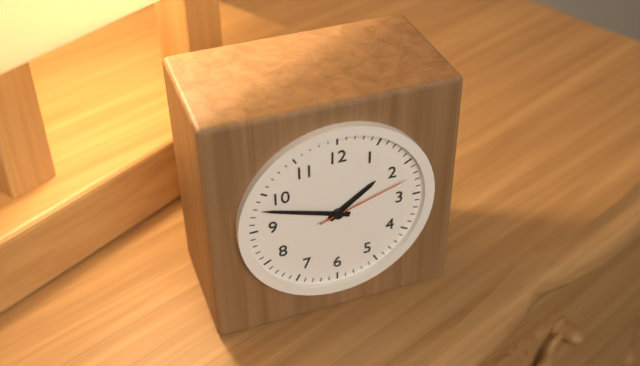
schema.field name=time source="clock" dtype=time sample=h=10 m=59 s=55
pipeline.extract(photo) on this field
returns h=1 m=48 s=12
